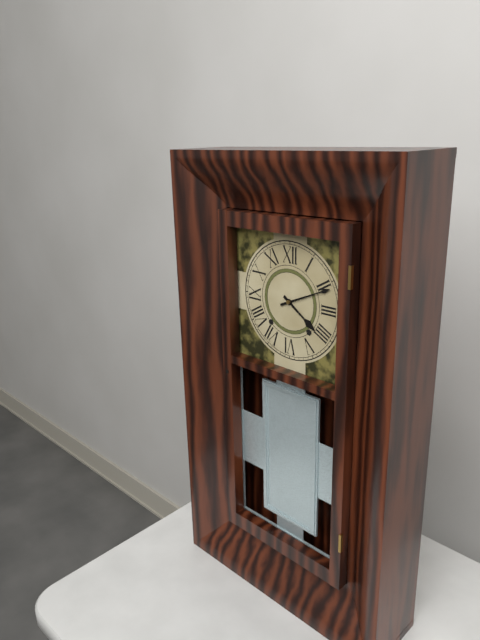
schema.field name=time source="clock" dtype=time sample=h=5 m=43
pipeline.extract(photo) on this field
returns h=4 m=11
